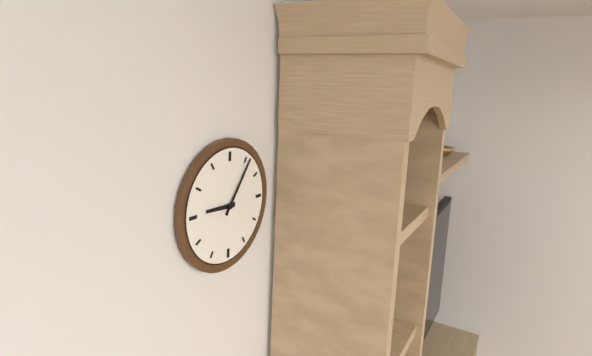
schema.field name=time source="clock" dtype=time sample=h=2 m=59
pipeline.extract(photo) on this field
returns h=9 m=6
